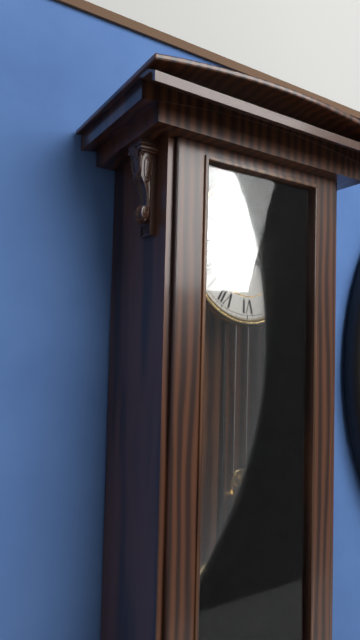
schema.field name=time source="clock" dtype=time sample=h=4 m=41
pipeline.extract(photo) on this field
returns h=6 m=22
